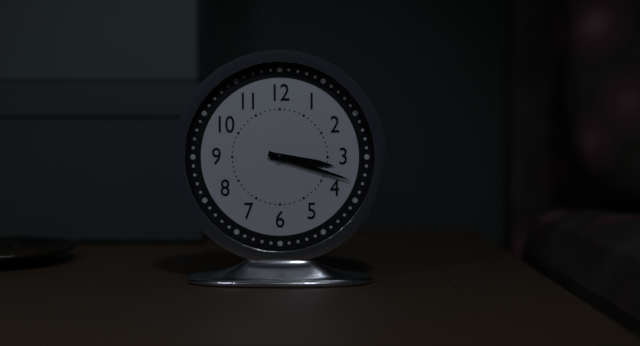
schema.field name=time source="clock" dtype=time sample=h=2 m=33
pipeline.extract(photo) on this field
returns h=3 m=18
